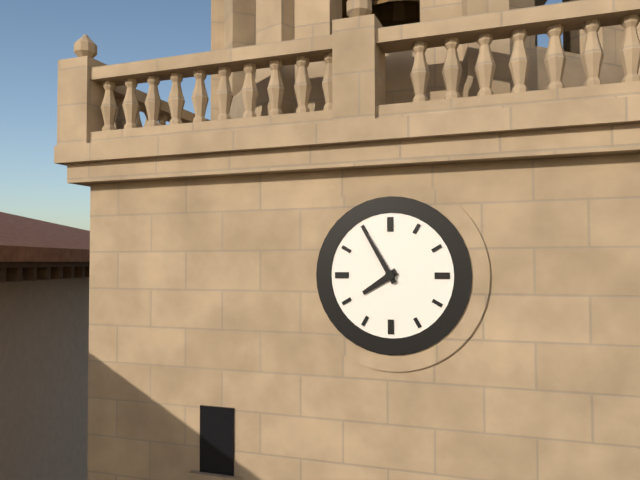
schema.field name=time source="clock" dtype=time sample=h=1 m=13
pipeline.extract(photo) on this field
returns h=7 m=55
